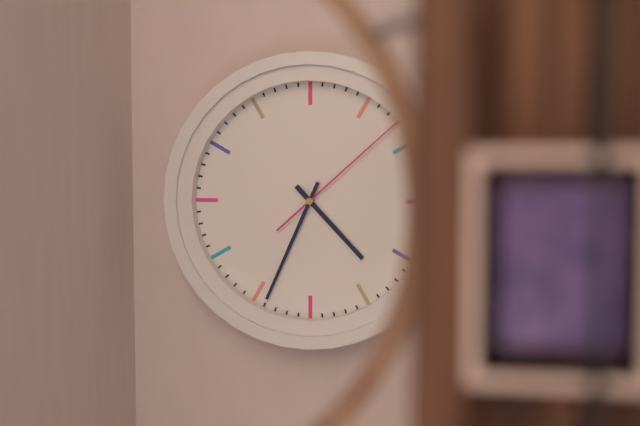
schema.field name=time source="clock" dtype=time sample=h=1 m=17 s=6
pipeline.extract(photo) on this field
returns h=4 m=34 s=8
